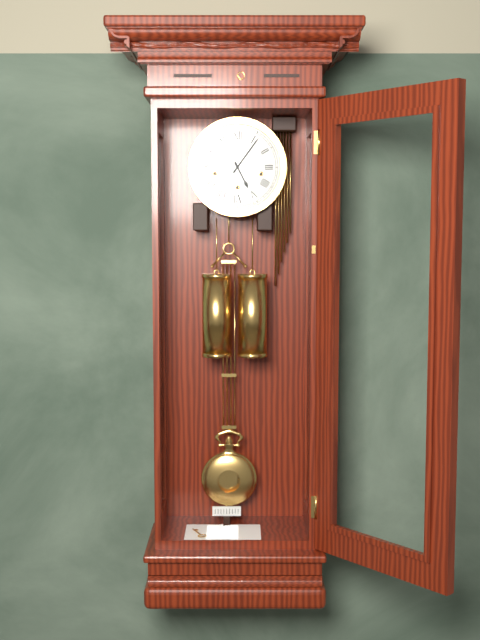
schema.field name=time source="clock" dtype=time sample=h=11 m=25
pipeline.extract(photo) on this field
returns h=5 m=6
